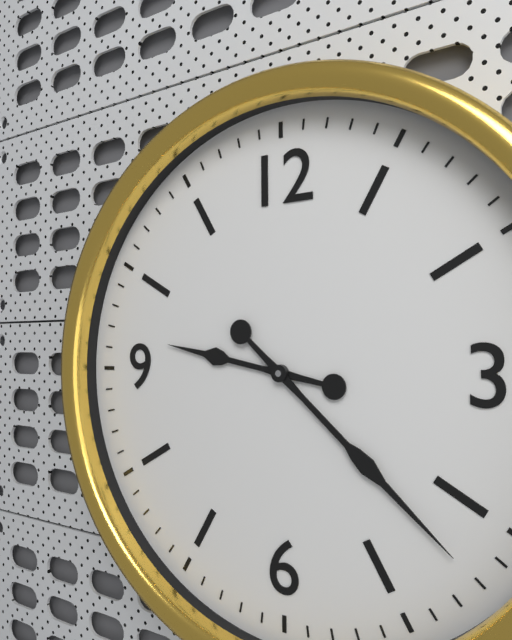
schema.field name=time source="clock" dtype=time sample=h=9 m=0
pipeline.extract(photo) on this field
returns h=9 m=22
